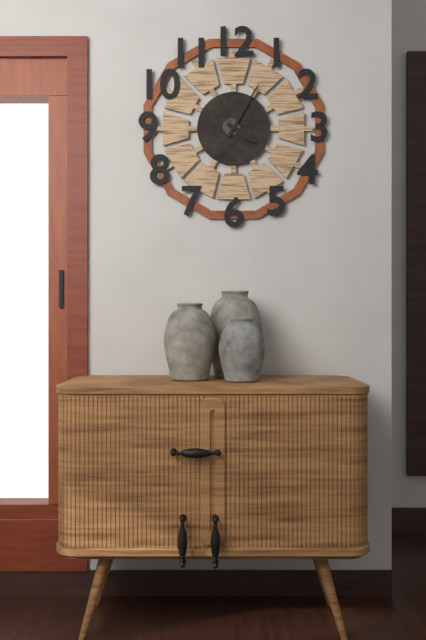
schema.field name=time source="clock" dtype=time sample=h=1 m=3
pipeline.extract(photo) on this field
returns h=4 m=5
